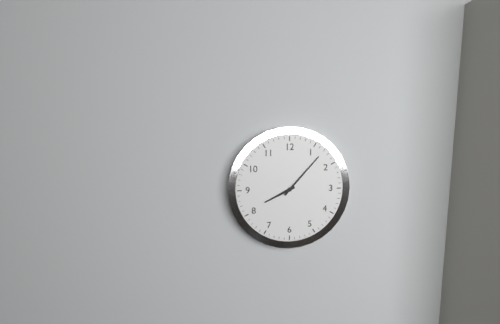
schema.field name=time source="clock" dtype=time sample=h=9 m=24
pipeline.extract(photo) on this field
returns h=8 m=7
